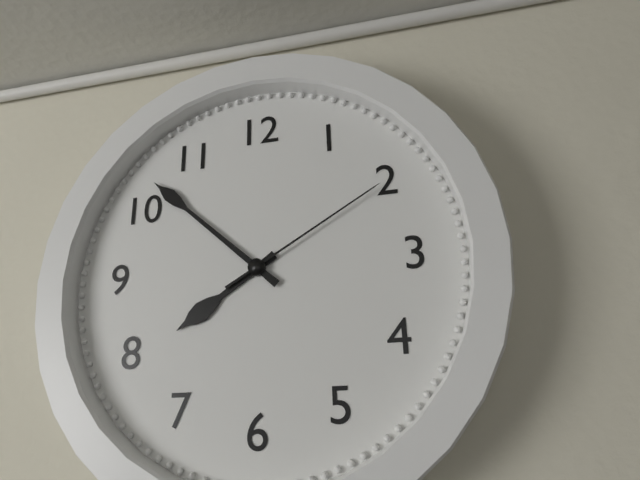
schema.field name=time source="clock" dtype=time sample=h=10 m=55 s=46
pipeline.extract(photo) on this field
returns h=7 m=52 s=10
